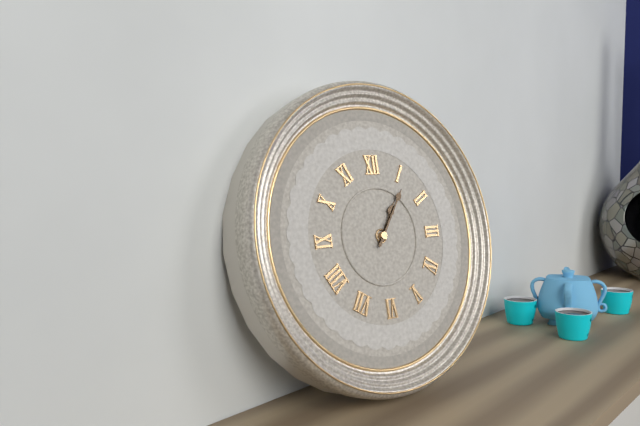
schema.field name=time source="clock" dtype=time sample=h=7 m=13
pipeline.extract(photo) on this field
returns h=1 m=6
